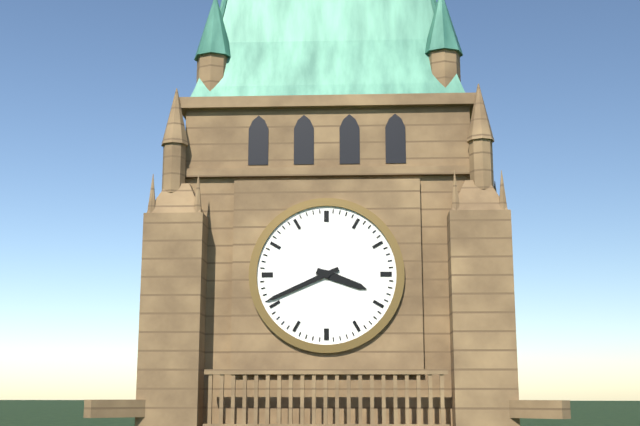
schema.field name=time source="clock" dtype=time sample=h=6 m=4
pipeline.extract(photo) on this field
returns h=3 m=41
